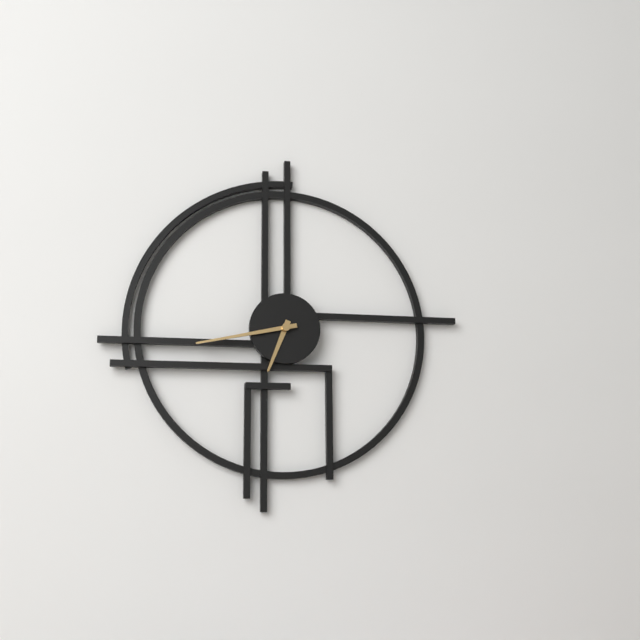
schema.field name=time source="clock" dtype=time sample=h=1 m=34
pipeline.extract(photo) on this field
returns h=6 m=43
